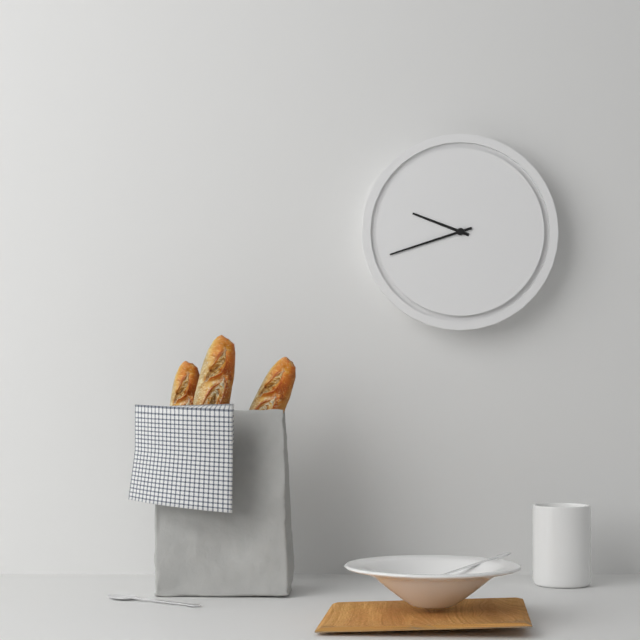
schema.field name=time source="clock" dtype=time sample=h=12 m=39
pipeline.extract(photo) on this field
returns h=9 m=42
